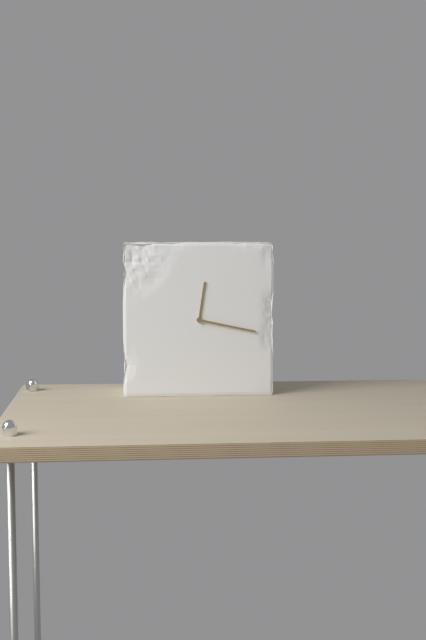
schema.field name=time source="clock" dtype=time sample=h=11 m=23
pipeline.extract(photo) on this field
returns h=12 m=17
